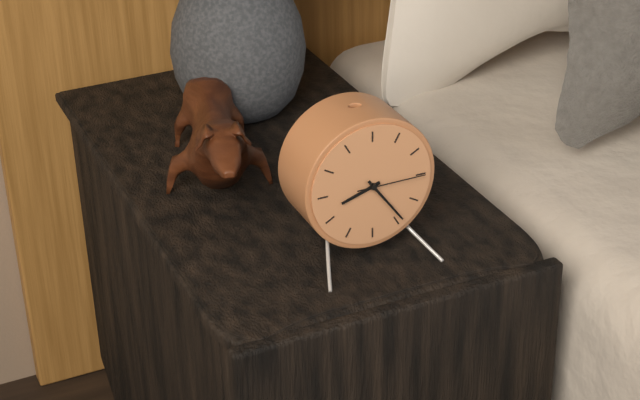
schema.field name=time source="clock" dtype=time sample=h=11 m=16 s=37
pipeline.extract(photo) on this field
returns h=8 m=24 s=15
